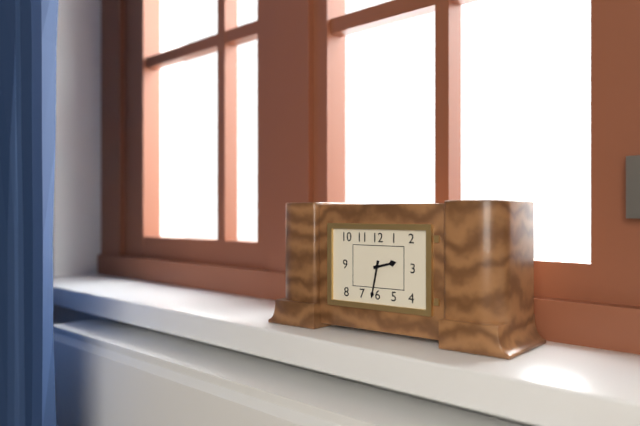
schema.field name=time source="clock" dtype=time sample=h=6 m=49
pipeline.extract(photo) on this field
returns h=2 m=32
